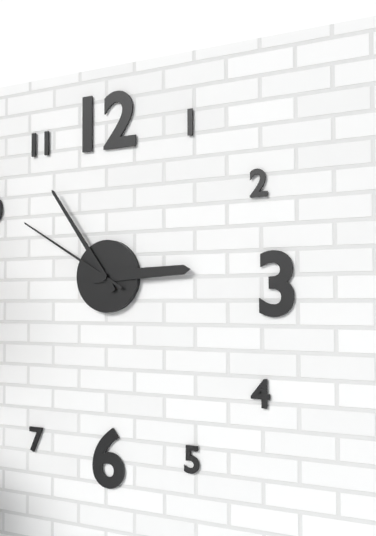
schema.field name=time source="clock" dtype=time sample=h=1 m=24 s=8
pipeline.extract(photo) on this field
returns h=2 m=54 s=50
